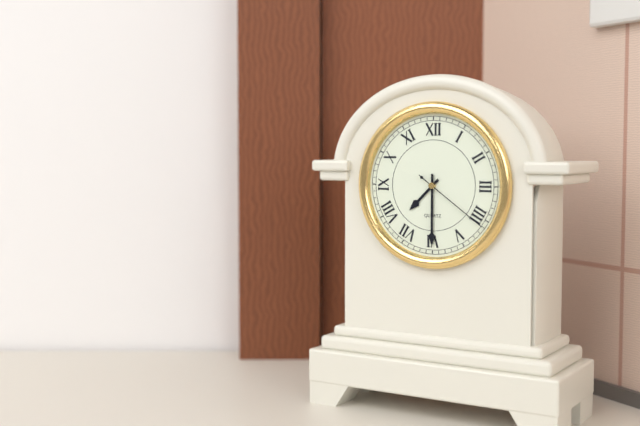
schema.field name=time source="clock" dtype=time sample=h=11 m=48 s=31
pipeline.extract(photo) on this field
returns h=7 m=30 s=21
